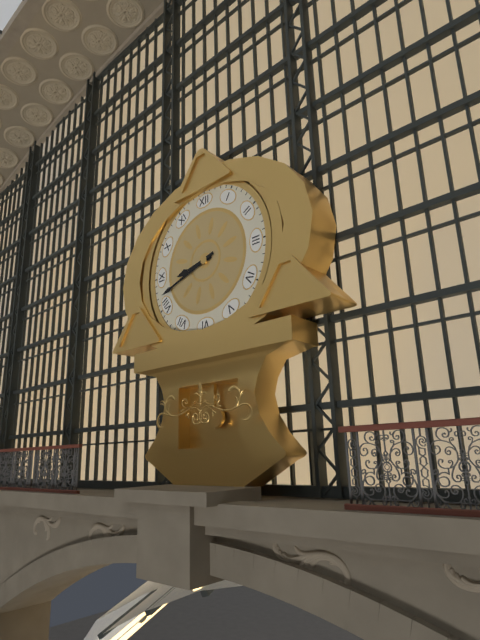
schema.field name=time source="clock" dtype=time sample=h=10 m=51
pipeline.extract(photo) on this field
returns h=8 m=42
